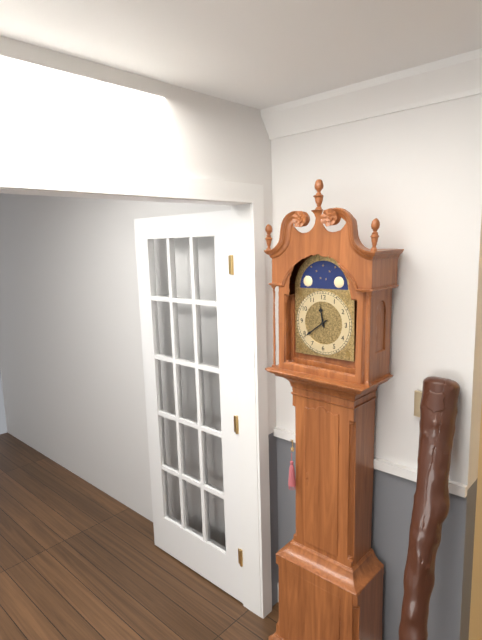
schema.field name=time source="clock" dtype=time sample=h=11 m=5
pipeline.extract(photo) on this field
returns h=11 m=39
